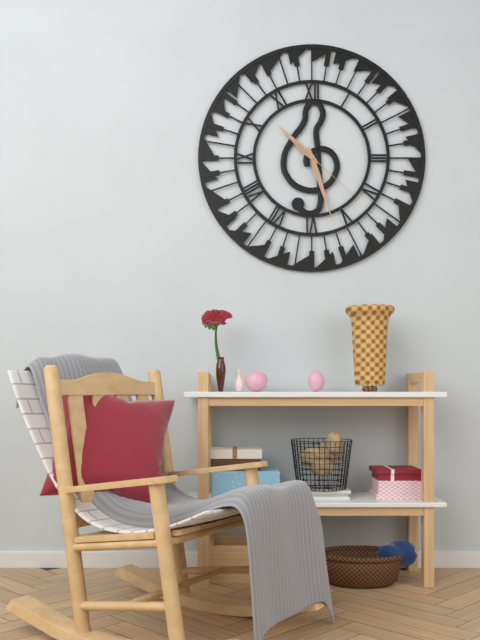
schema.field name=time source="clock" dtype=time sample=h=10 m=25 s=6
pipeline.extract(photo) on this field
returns h=10 m=27 s=22
